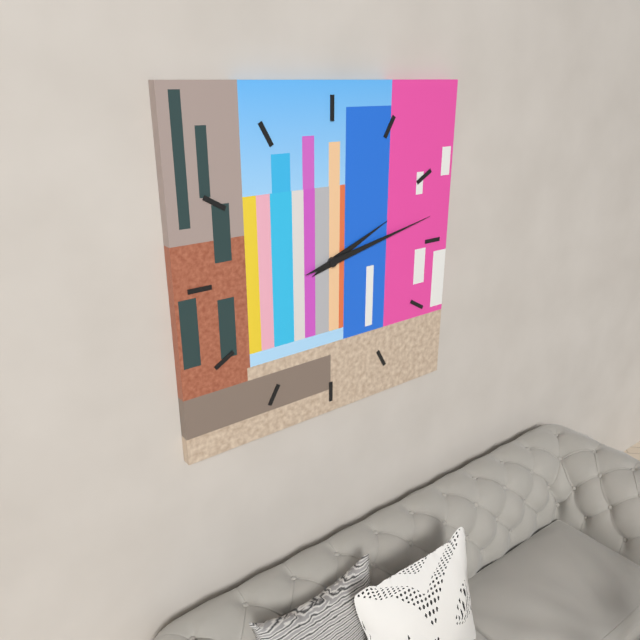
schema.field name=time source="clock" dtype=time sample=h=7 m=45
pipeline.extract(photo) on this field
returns h=2 m=13
